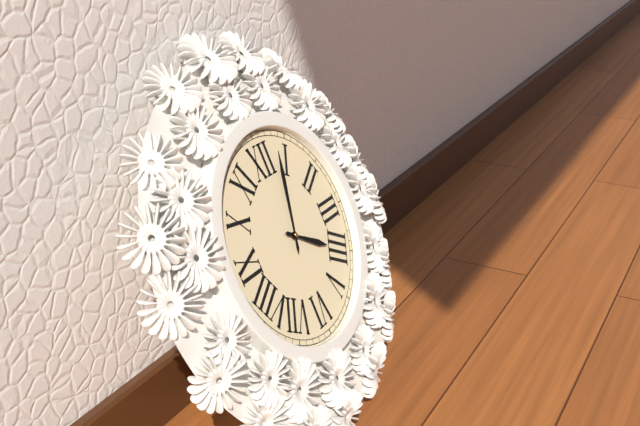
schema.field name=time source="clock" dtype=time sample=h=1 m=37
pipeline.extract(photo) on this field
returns h=4 m=3
